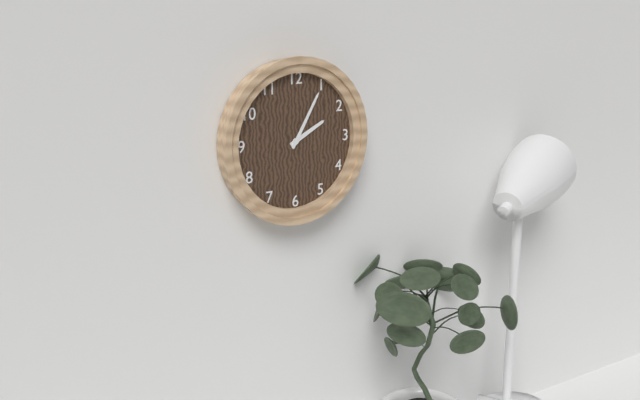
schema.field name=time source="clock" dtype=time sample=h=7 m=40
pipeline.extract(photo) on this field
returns h=2 m=5
